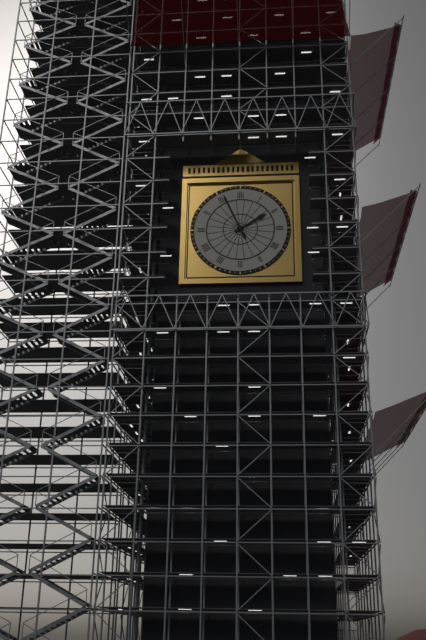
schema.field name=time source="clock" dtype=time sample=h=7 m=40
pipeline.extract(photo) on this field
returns h=1 m=56
